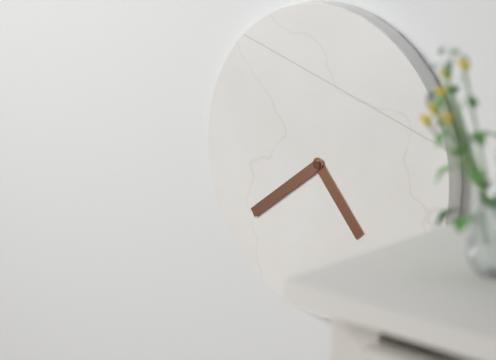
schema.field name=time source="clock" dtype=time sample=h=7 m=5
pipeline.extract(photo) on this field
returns h=4 m=39
